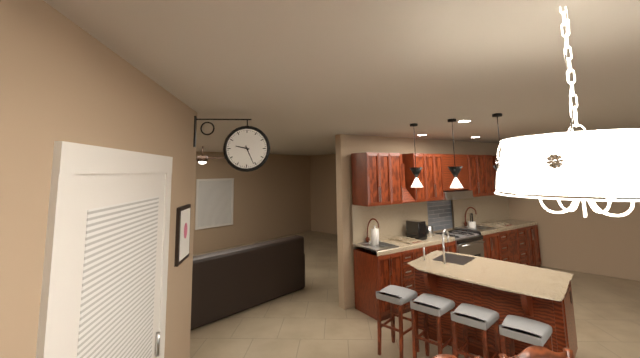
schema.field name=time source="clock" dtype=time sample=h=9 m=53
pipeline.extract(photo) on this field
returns h=9 m=26
